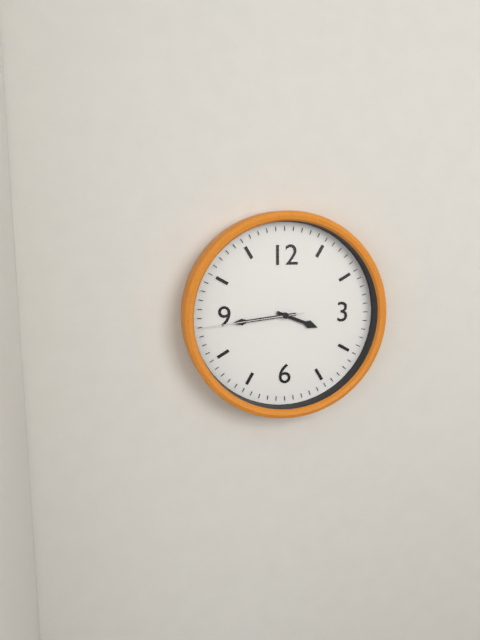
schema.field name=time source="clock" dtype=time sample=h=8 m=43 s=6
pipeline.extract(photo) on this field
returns h=3 m=44 s=44
